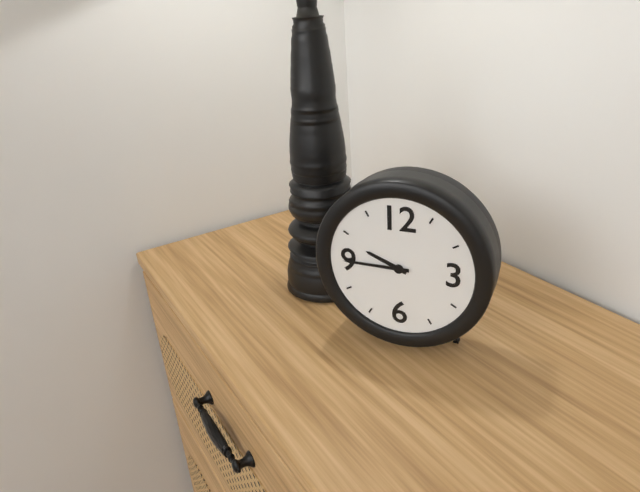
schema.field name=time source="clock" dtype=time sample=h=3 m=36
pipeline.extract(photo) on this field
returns h=9 m=45
